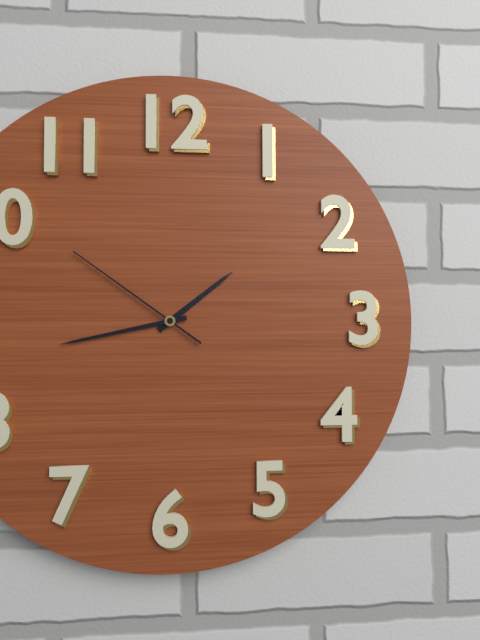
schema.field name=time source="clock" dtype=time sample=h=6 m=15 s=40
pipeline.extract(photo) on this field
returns h=1 m=43 s=51
